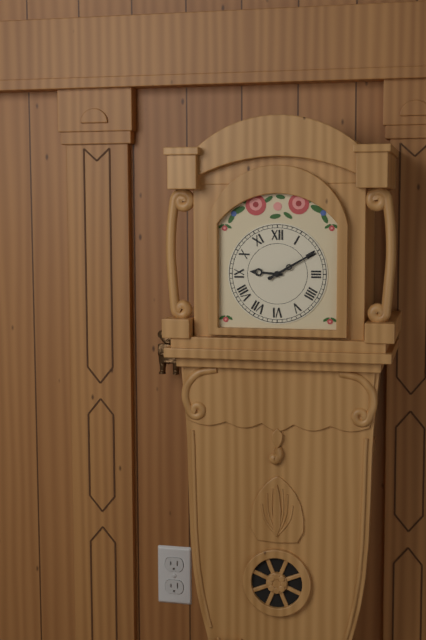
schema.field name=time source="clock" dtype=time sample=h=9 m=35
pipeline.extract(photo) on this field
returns h=9 m=10
